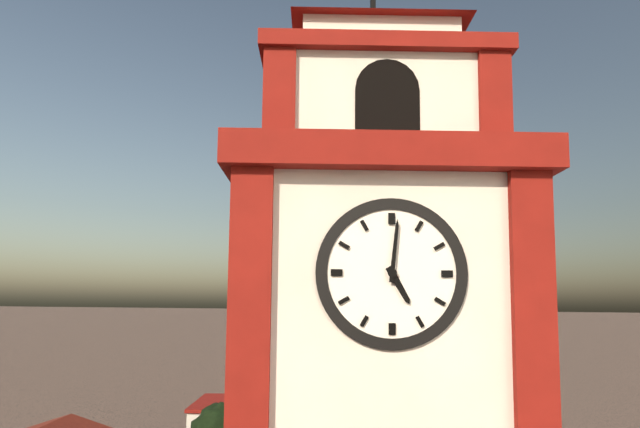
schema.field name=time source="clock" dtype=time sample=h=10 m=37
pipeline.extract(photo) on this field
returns h=5 m=1
